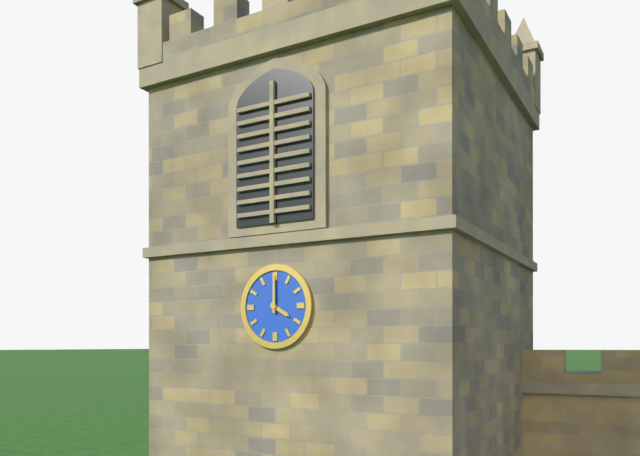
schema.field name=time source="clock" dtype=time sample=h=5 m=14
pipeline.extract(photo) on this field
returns h=4 m=0
